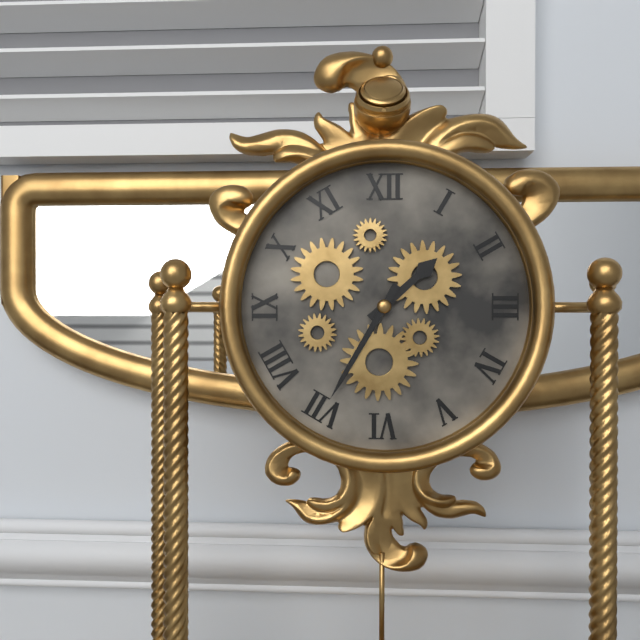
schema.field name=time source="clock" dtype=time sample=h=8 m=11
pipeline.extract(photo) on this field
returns h=1 m=35
